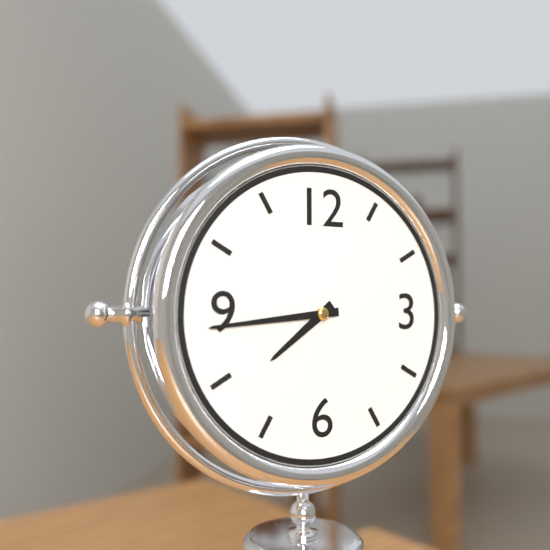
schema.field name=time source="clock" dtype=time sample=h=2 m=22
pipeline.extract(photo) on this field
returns h=7 m=44
